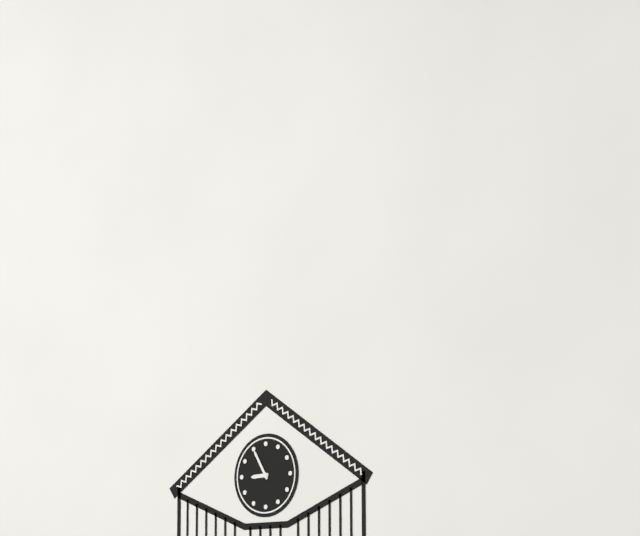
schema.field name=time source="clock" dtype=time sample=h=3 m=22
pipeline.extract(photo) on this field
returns h=8 m=55
